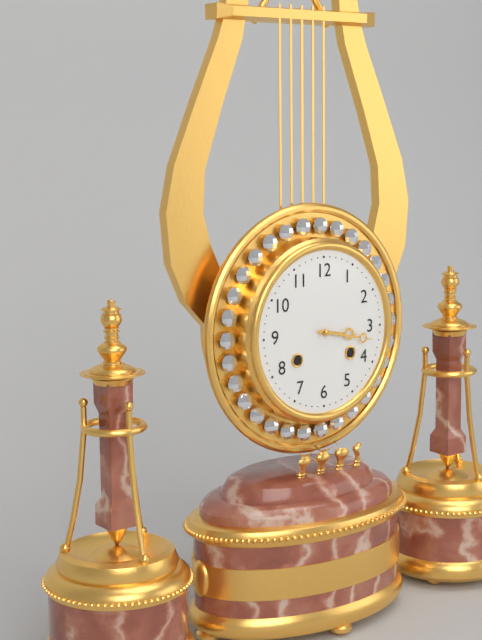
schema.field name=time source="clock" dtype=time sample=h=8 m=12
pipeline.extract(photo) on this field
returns h=3 m=17
